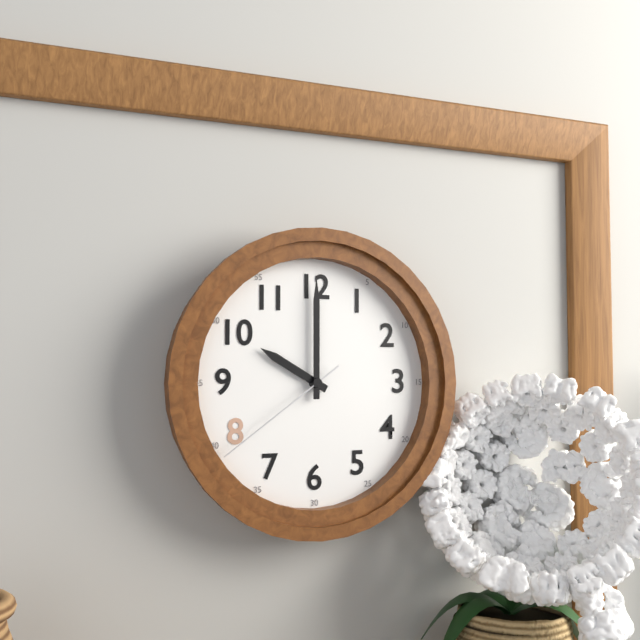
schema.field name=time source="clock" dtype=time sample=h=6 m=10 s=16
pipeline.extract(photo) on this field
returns h=10 m=0 s=39
